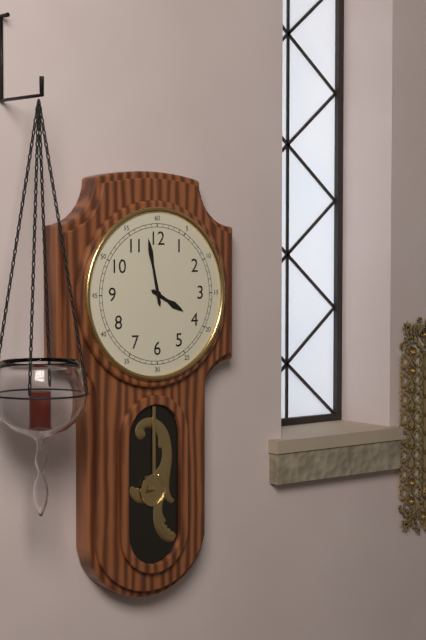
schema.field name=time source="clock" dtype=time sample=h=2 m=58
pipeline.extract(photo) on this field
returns h=3 m=58
